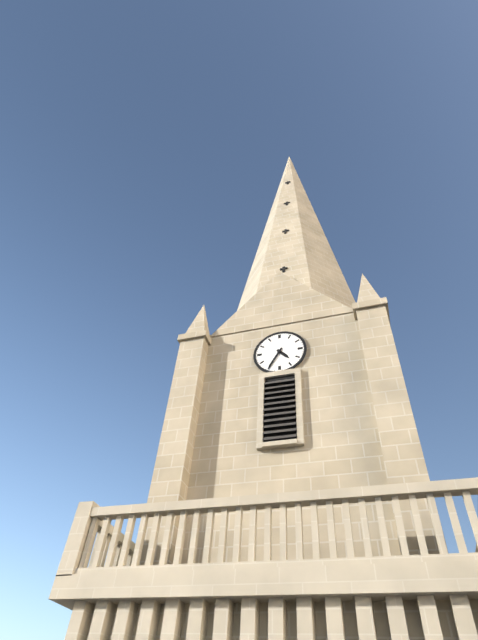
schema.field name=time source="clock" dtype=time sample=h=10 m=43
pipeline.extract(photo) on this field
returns h=4 m=35
